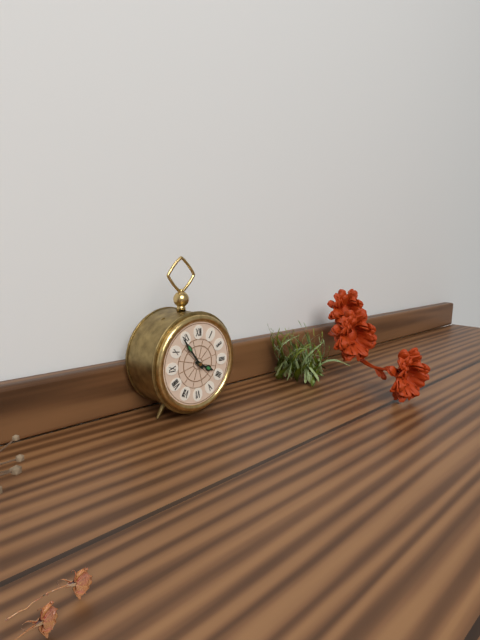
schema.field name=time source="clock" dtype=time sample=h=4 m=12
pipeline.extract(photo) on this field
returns h=3 m=54
